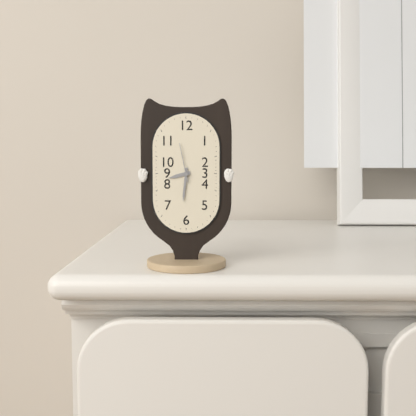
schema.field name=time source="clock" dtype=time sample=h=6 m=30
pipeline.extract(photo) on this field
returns h=8 m=31
